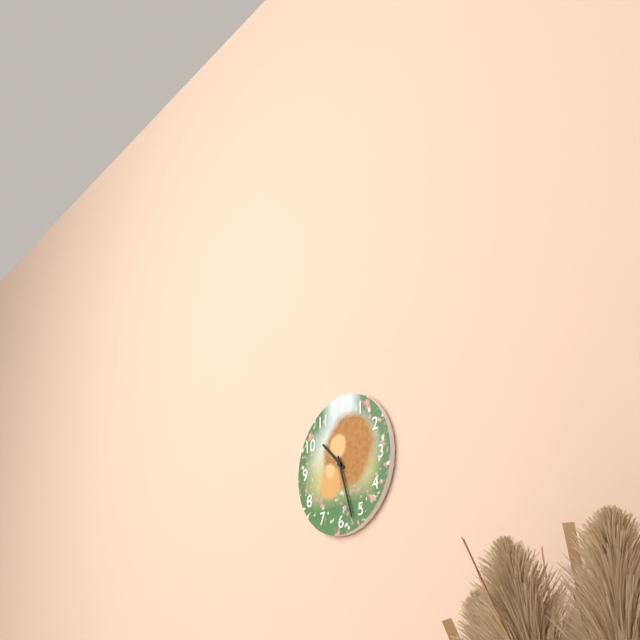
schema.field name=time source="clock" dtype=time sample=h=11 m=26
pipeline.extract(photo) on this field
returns h=10 m=27
